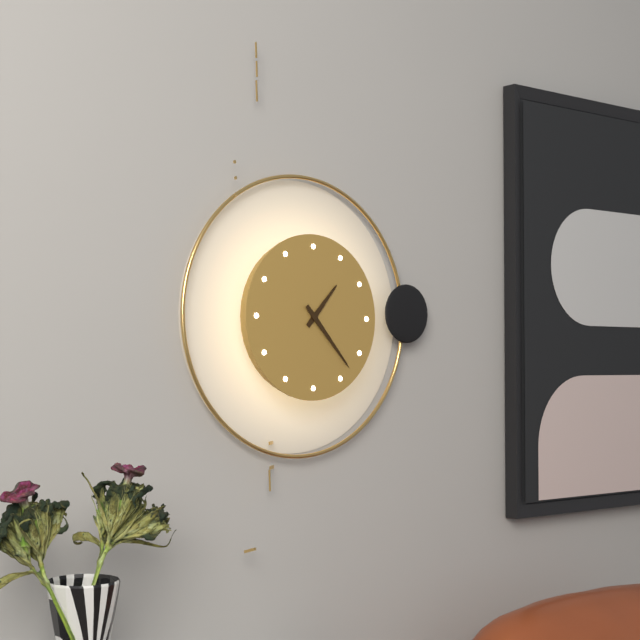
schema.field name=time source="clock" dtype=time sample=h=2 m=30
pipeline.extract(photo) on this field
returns h=1 m=23
